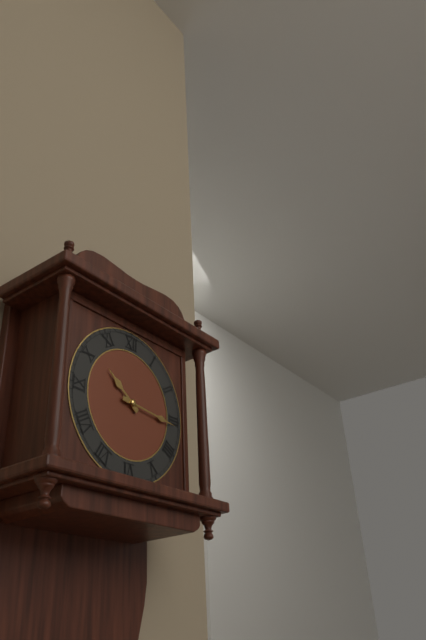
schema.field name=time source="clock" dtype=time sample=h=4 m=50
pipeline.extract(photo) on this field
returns h=10 m=16
